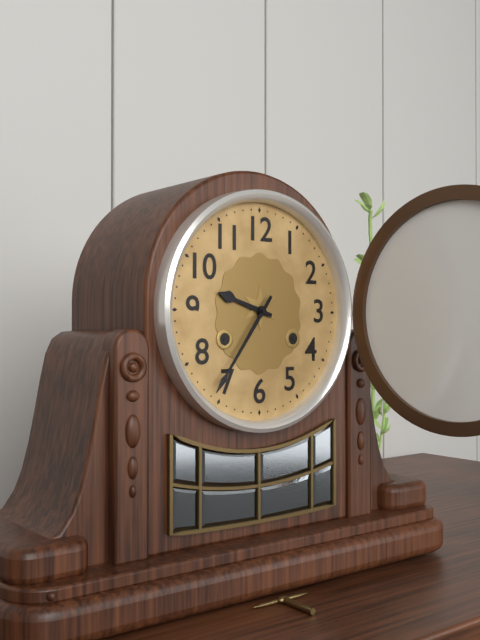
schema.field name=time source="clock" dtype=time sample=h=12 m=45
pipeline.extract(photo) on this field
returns h=9 m=36
